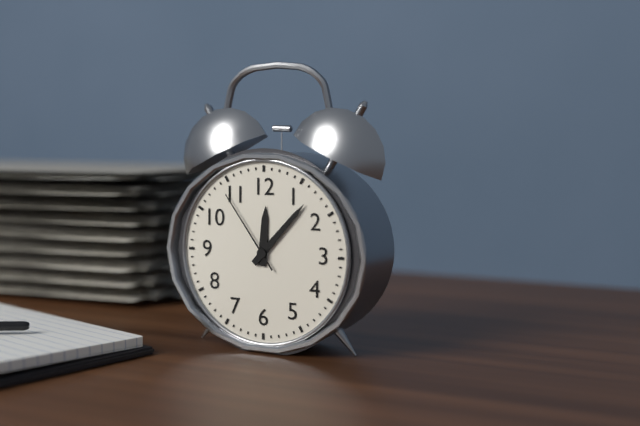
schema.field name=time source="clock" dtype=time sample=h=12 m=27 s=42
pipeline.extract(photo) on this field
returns h=12 m=7 s=54
